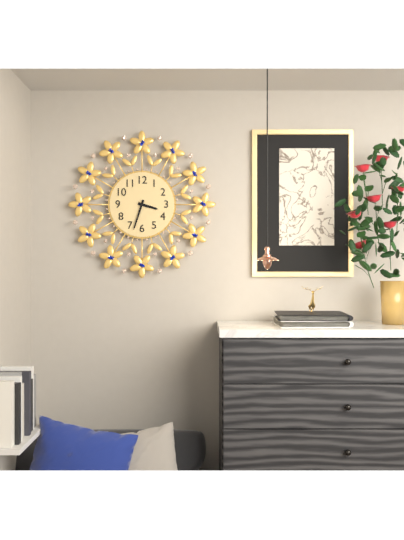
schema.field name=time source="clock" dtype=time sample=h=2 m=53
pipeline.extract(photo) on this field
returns h=3 m=33
